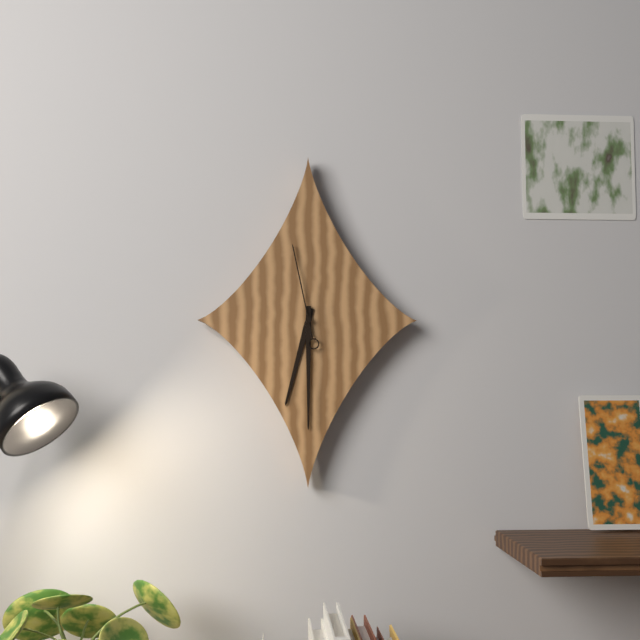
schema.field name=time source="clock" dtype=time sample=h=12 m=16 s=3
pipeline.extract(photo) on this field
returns h=6 m=30 s=58
